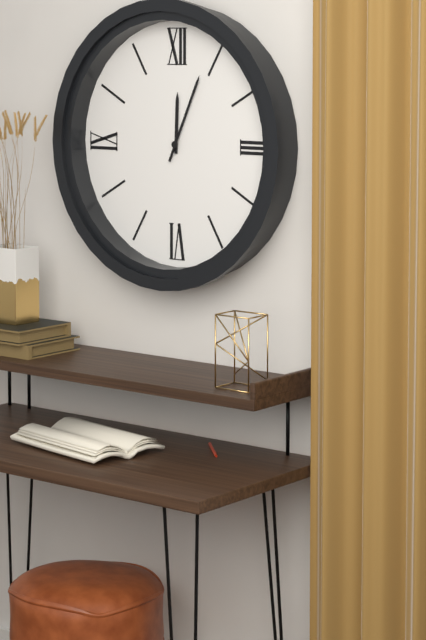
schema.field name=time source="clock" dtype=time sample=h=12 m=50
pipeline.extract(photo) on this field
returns h=12 m=4
